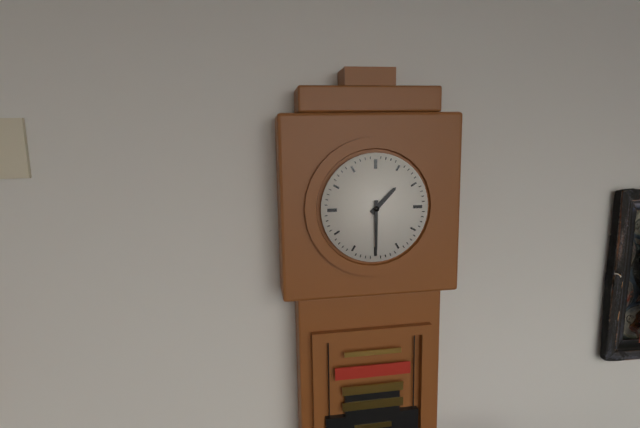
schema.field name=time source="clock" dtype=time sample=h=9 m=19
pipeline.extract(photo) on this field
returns h=1 m=30
